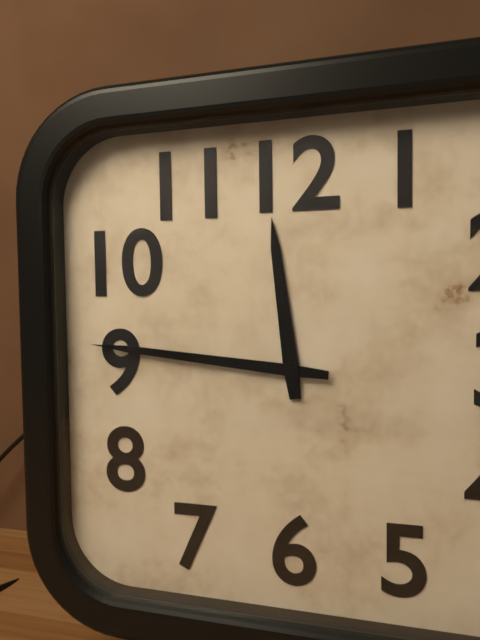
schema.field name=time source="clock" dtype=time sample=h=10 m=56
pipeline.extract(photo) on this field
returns h=11 m=46
